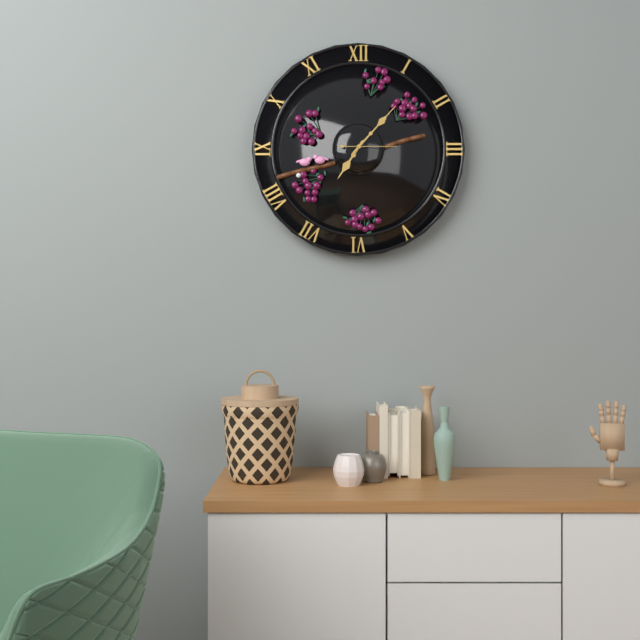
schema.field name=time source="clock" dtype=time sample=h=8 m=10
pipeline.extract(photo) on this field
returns h=7 m=7
